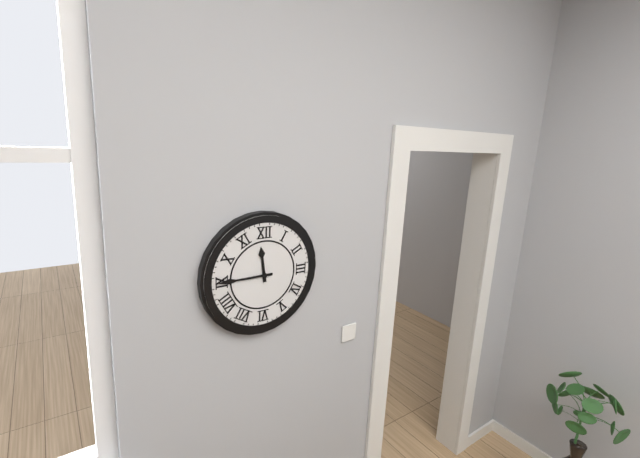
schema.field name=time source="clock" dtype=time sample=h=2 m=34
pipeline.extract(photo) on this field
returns h=11 m=45
